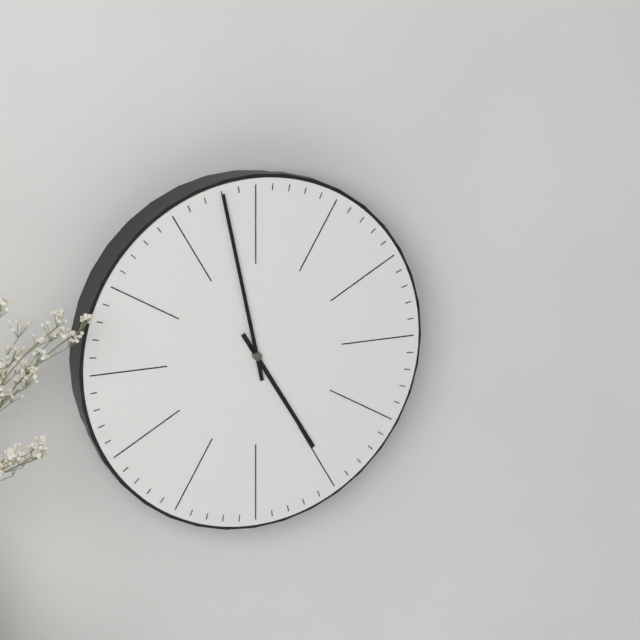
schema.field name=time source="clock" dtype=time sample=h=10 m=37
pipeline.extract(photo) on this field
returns h=4 m=58
